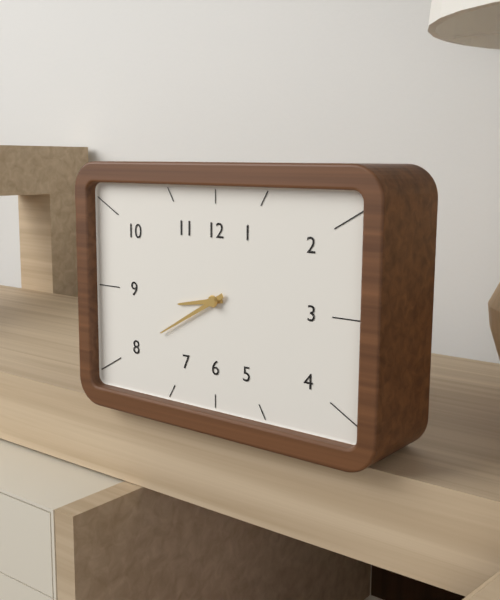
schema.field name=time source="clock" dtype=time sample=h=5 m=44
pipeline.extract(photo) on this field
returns h=8 m=40
